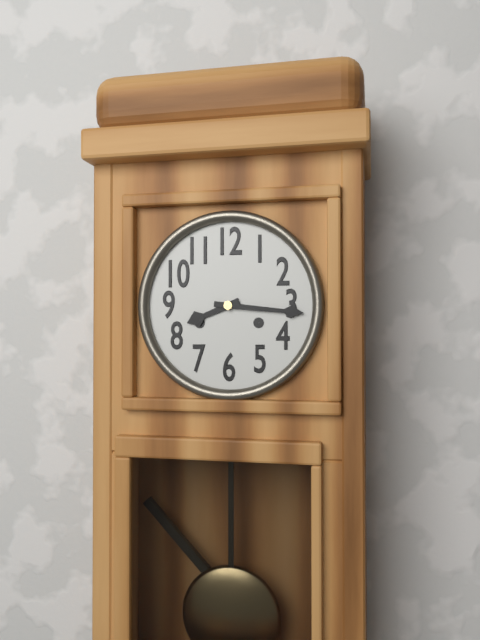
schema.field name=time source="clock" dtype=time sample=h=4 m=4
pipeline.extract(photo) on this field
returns h=8 m=16
